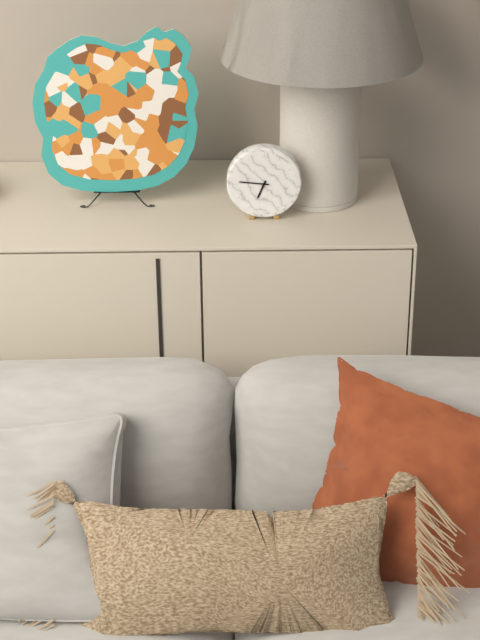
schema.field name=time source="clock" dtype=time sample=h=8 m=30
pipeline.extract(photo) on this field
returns h=6 m=46
